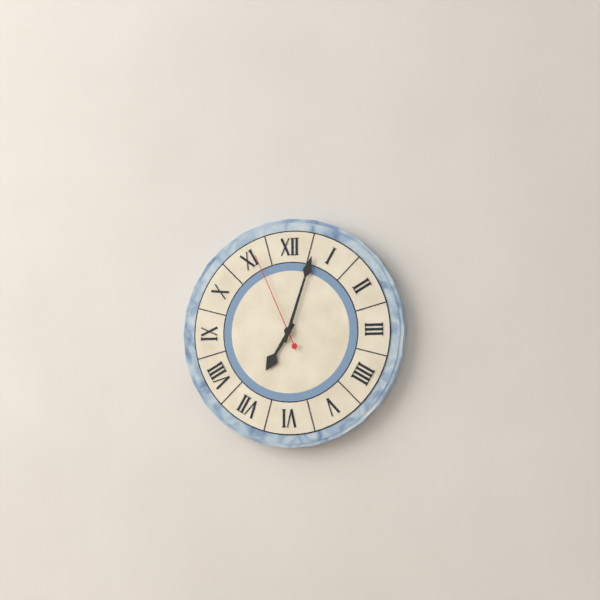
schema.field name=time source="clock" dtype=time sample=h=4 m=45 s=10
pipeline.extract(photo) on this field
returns h=7 m=3 s=56
